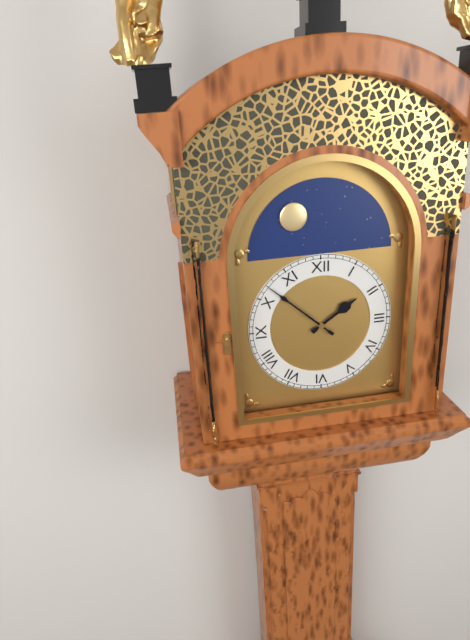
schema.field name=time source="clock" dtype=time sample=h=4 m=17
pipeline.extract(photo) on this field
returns h=1 m=52
